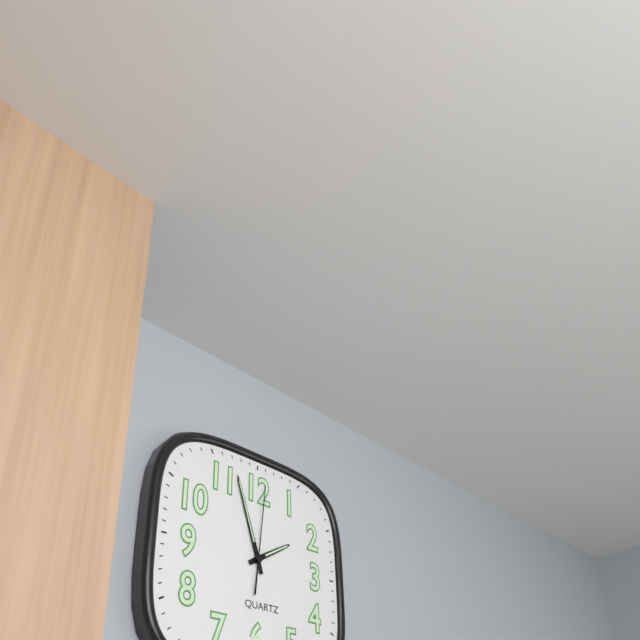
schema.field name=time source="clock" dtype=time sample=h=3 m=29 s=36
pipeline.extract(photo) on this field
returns h=1 m=57 s=1
